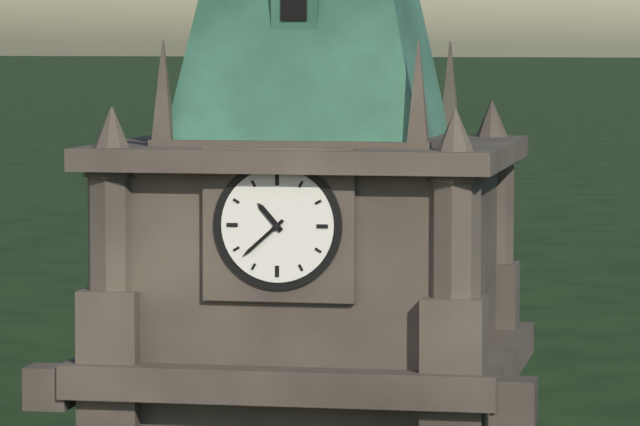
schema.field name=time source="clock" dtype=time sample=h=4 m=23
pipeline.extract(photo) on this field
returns h=10 m=38
